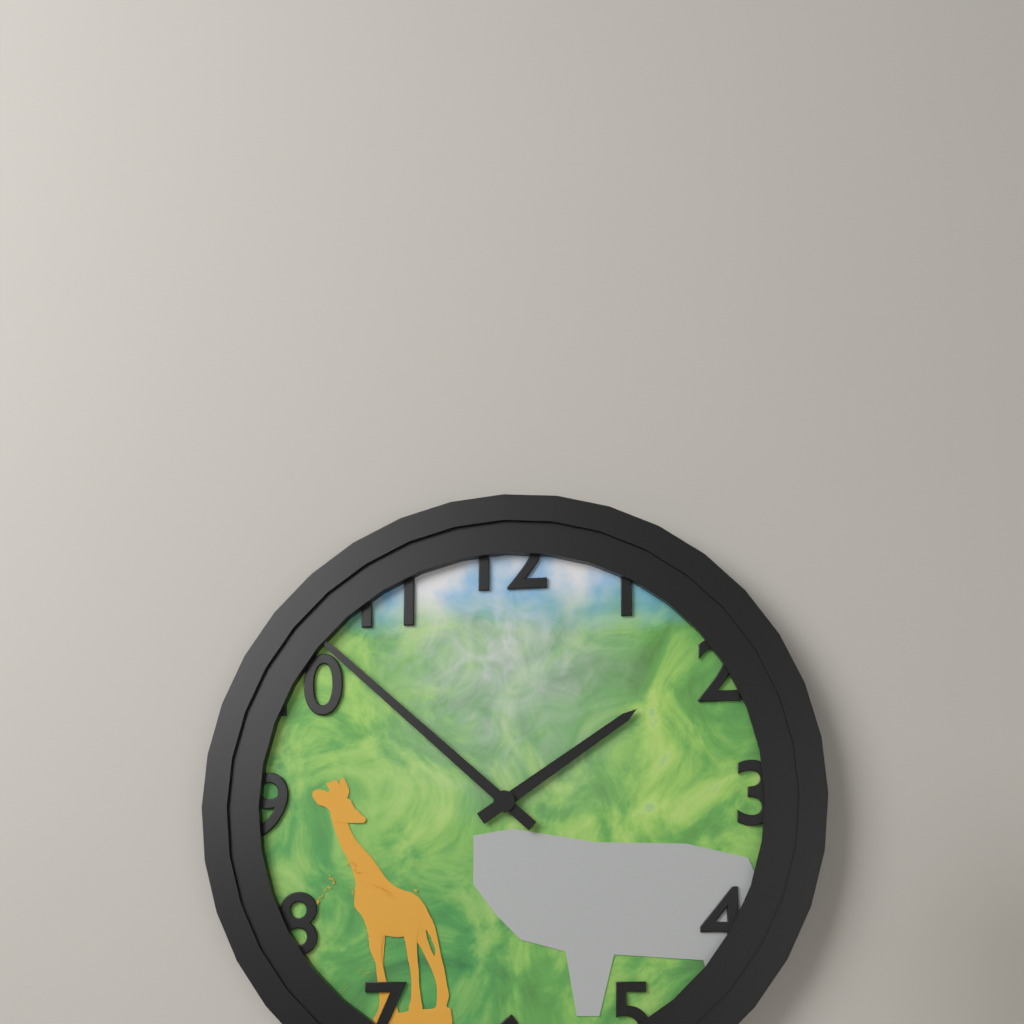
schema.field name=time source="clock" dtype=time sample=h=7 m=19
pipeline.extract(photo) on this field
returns h=1 m=52
